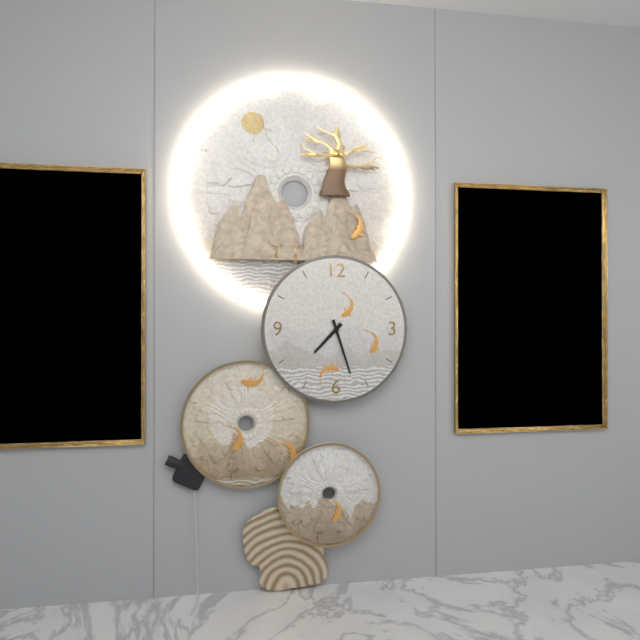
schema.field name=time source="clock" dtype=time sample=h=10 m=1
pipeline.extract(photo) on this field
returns h=7 m=27
